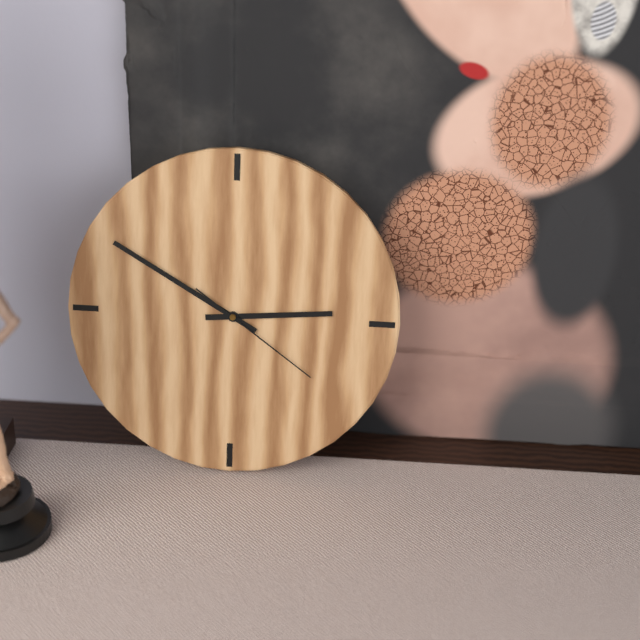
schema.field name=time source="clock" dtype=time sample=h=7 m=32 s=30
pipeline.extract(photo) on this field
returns h=2 m=50 s=21
